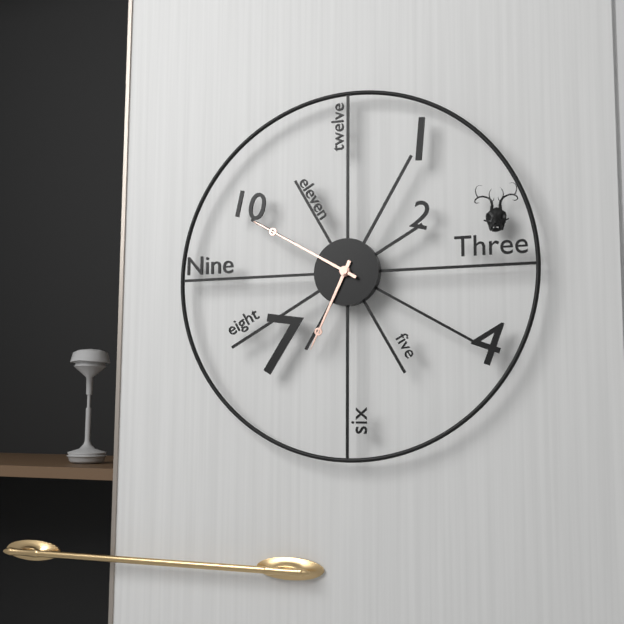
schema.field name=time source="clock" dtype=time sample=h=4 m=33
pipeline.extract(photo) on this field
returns h=6 m=50
